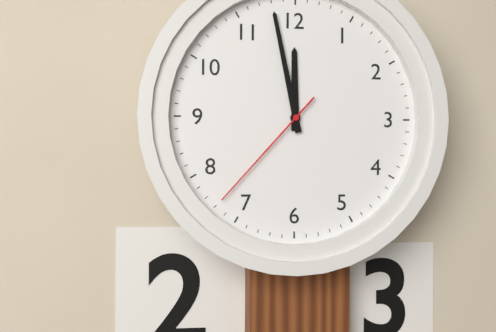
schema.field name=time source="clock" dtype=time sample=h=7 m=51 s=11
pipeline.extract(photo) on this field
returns h=11 m=58 s=37
